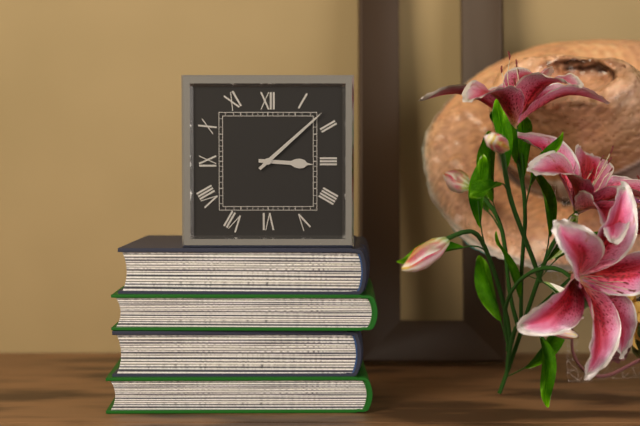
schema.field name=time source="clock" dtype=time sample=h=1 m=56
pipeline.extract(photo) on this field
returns h=3 m=8
